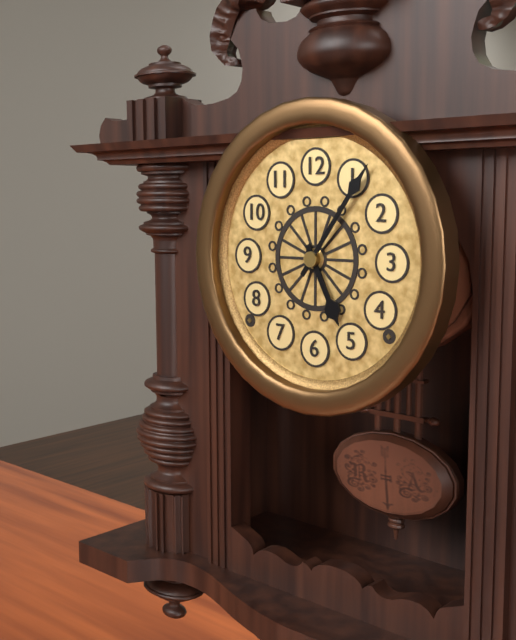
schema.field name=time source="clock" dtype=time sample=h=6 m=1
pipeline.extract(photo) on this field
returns h=5 m=6
